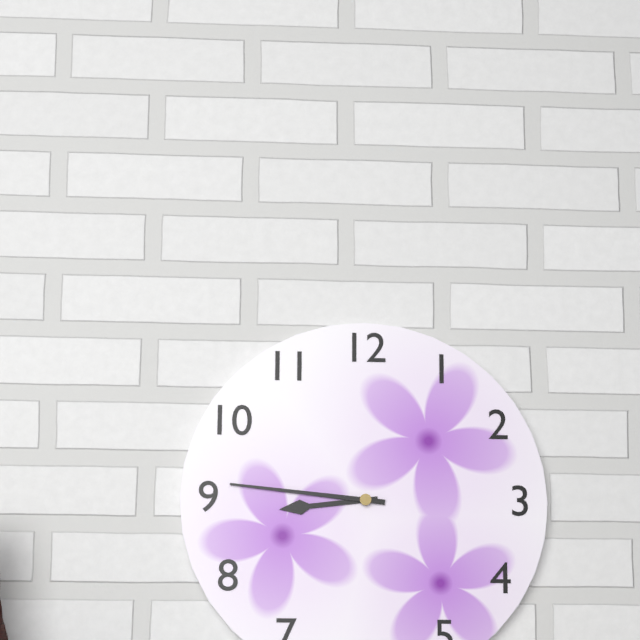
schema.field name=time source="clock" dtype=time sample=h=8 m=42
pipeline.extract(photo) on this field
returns h=8 m=46
